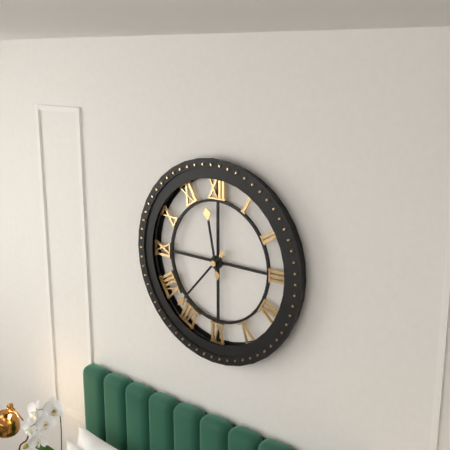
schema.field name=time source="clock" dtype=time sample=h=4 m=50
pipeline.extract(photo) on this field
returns h=11 m=37
